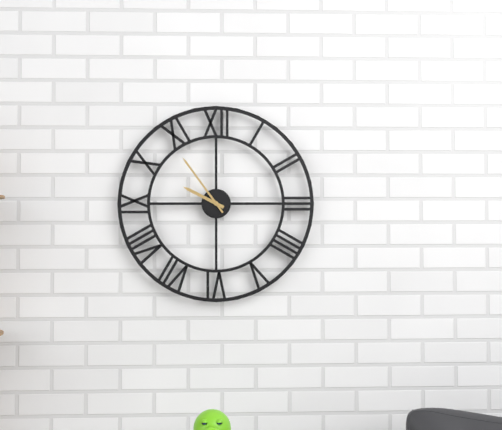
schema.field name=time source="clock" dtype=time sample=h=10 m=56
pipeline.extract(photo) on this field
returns h=9 m=54
